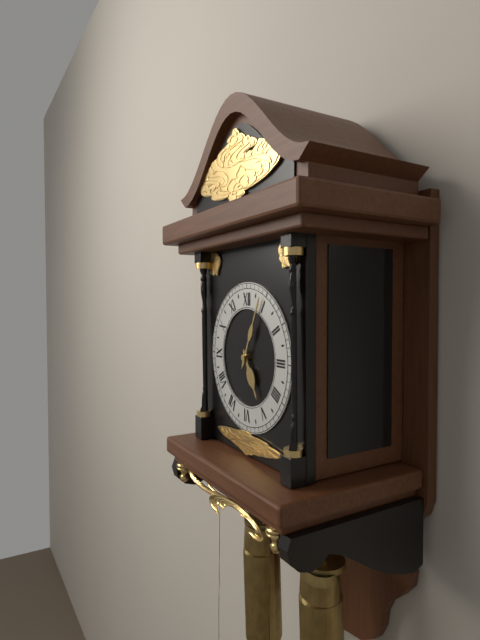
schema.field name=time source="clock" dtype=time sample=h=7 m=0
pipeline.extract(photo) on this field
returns h=5 m=4
